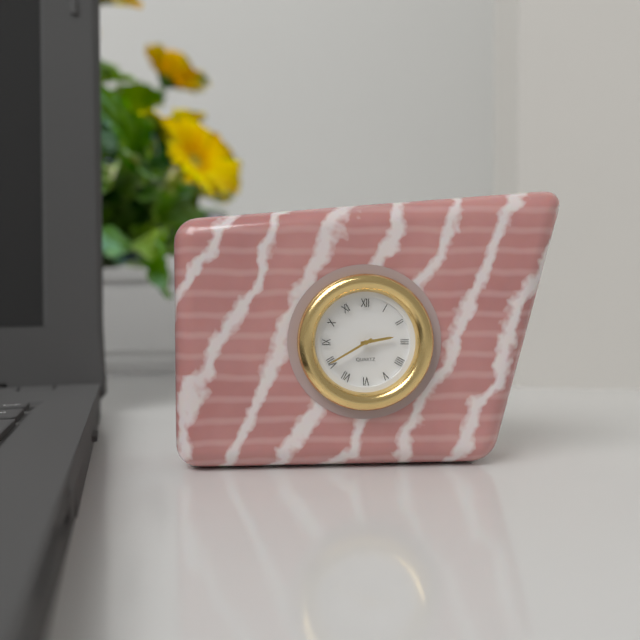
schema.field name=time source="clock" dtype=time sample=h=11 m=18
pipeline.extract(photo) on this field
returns h=2 m=40
